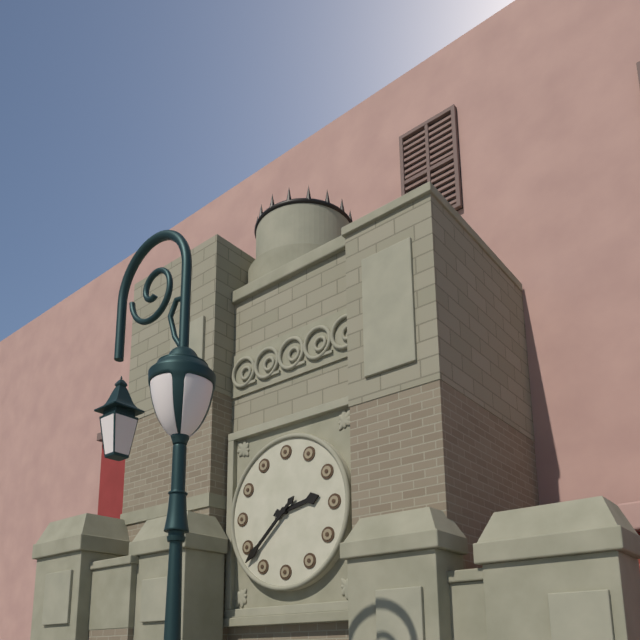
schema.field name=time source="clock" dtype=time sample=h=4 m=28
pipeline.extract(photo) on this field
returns h=2 m=38
